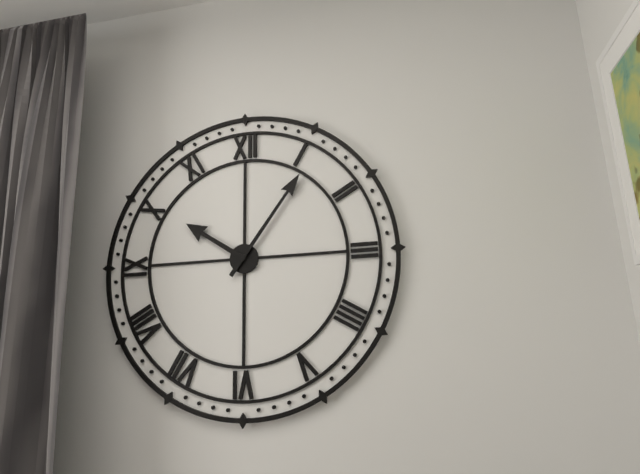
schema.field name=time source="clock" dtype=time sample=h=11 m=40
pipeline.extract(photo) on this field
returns h=10 m=6
